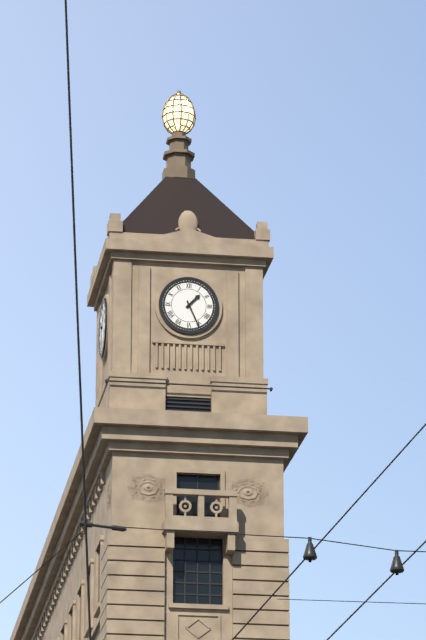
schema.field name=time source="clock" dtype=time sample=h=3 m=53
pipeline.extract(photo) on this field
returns h=1 m=26
